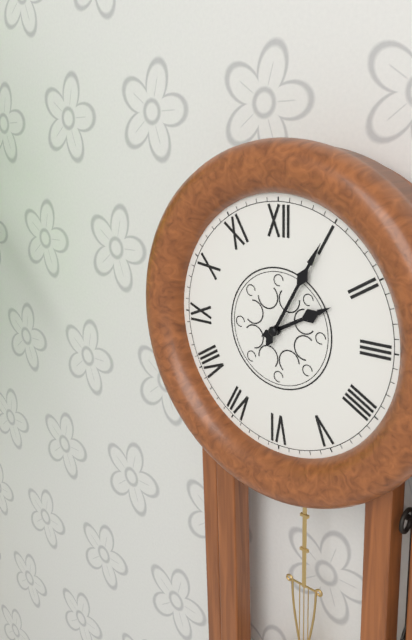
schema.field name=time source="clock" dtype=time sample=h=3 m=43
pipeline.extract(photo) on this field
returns h=2 m=5
